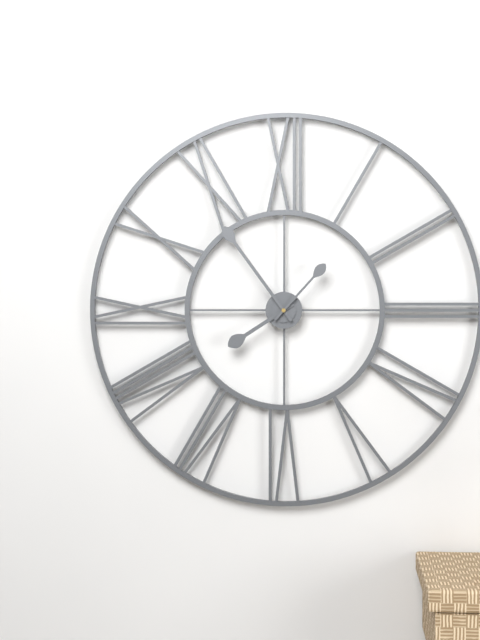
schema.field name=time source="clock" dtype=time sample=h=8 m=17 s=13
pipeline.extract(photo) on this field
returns h=7 m=54 s=7
